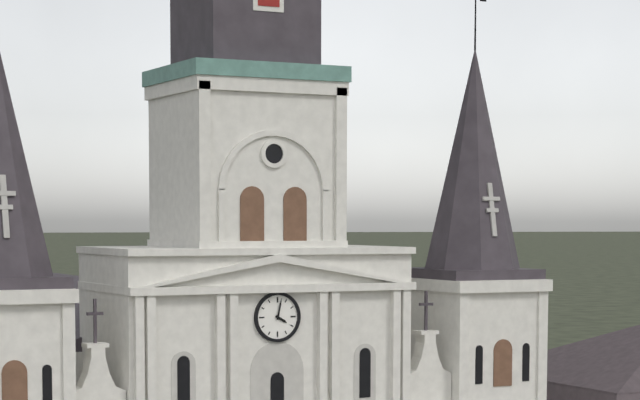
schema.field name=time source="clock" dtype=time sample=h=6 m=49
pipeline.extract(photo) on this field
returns h=4 m=2
